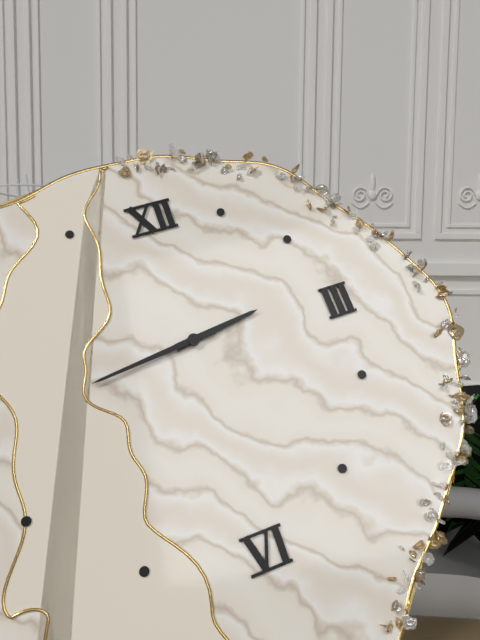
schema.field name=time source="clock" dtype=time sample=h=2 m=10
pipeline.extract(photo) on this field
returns h=2 m=44
